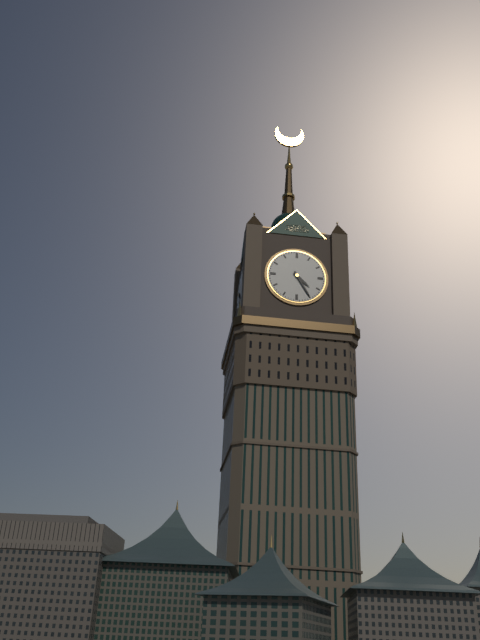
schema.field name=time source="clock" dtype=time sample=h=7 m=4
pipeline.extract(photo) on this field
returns h=4 m=25
